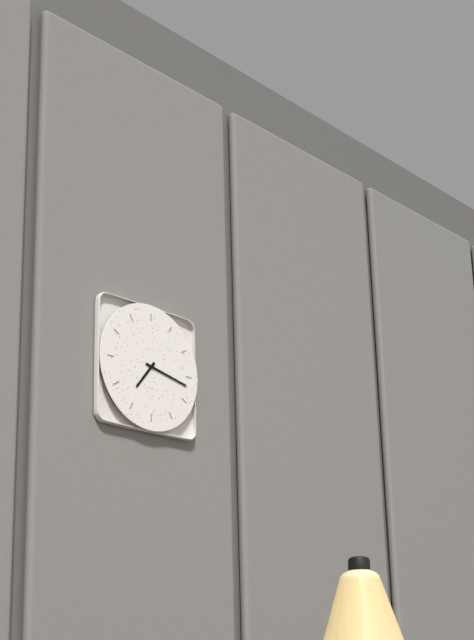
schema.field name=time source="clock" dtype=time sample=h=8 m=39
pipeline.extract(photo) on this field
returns h=7 m=17
